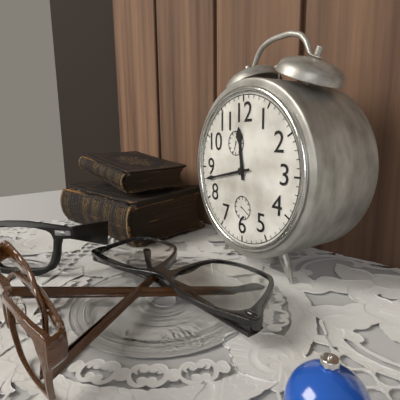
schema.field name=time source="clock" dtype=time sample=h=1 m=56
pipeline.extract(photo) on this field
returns h=11 m=43
